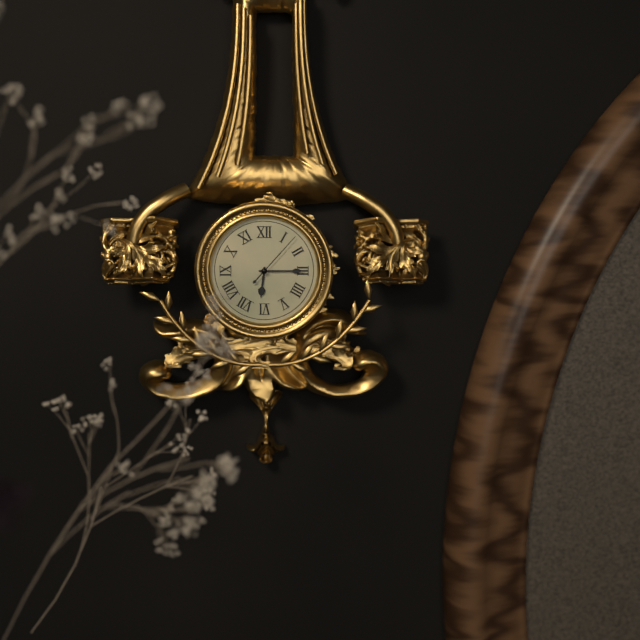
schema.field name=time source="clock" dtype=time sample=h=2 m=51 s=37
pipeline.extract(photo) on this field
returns h=6 m=15 s=7
